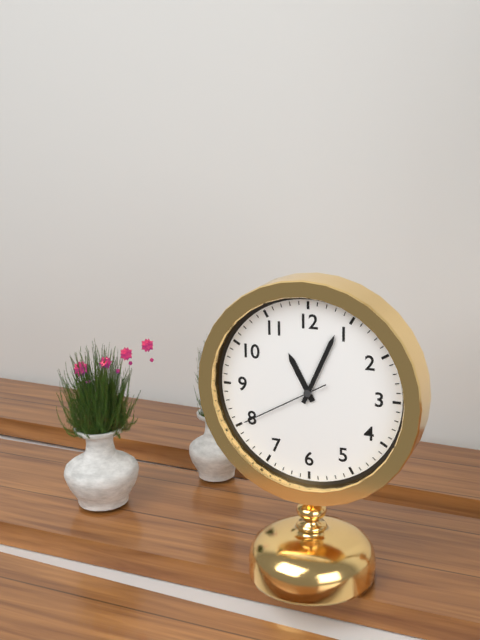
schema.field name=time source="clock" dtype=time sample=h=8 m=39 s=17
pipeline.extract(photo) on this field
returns h=11 m=4 s=40
